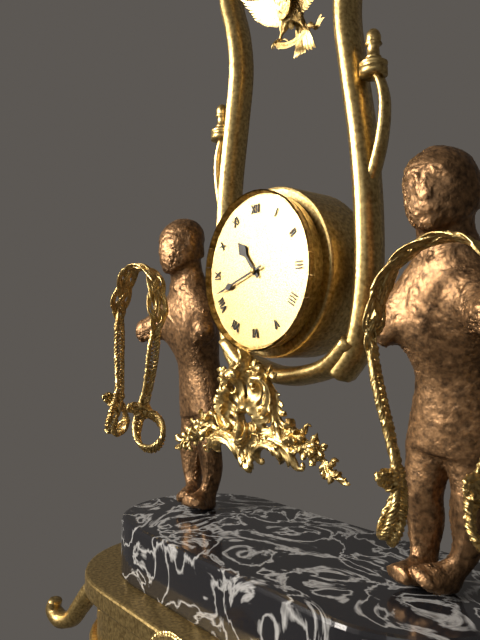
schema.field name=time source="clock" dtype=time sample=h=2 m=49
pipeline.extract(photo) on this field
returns h=10 m=42
